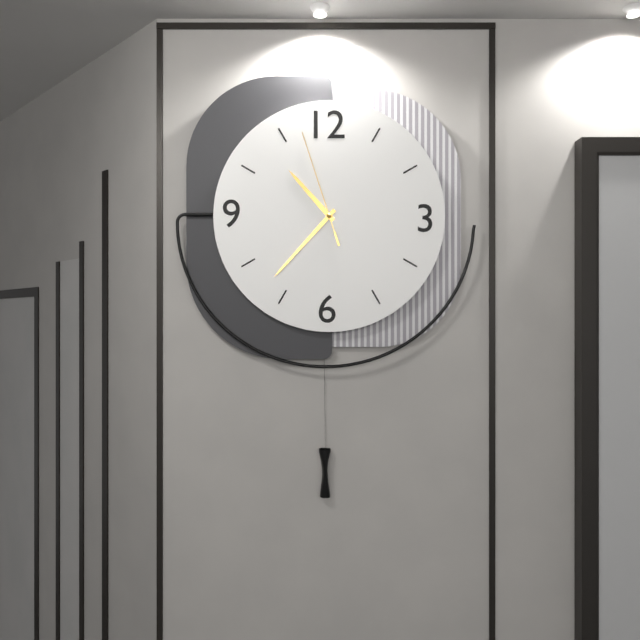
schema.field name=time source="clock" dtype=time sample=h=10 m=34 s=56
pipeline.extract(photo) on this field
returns h=10 m=37 s=57
